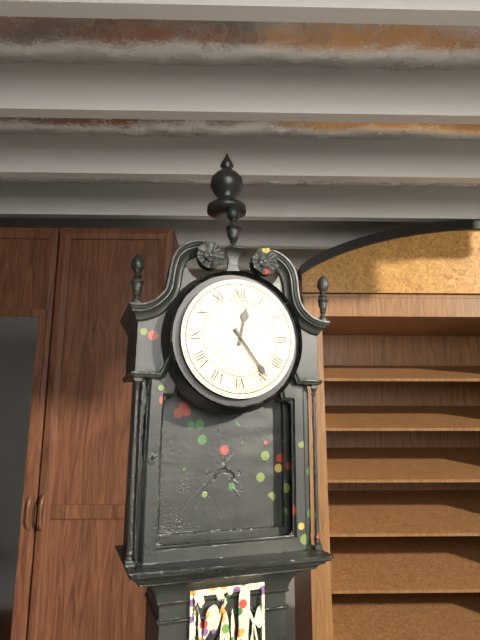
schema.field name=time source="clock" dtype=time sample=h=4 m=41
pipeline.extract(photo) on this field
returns h=12 m=24
